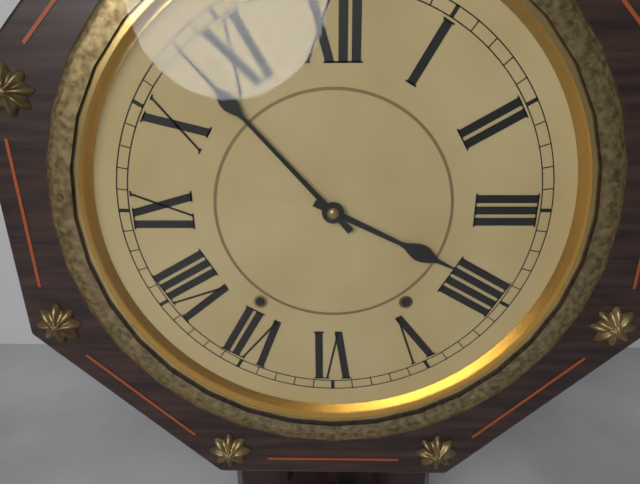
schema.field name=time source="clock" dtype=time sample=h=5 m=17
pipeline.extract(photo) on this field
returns h=3 m=53
